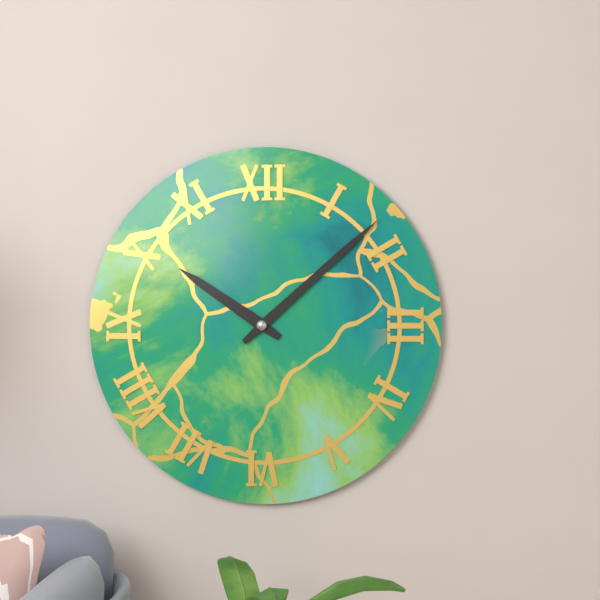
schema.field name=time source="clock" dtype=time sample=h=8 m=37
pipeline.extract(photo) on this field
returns h=10 m=8
